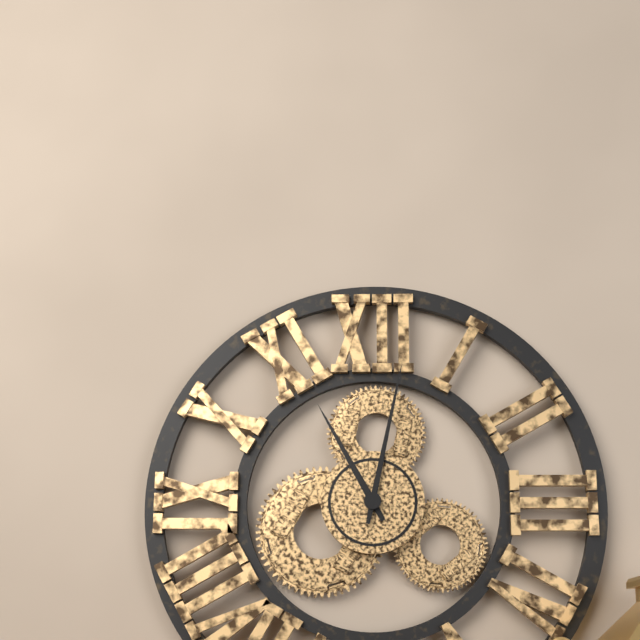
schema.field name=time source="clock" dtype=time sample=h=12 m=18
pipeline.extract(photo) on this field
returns h=11 m=2
